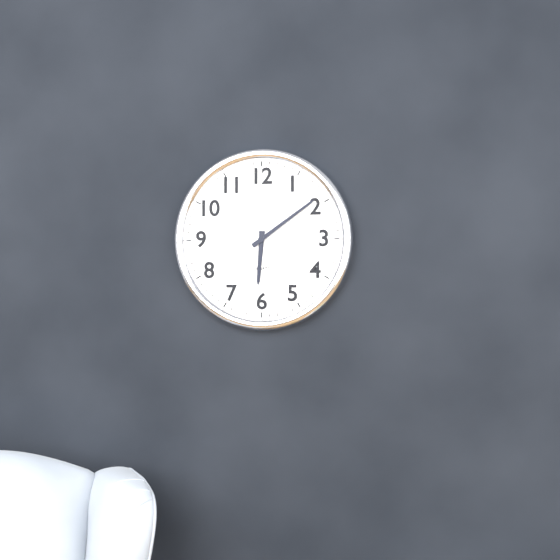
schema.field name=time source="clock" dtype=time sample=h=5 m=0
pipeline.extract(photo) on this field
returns h=6 m=9
